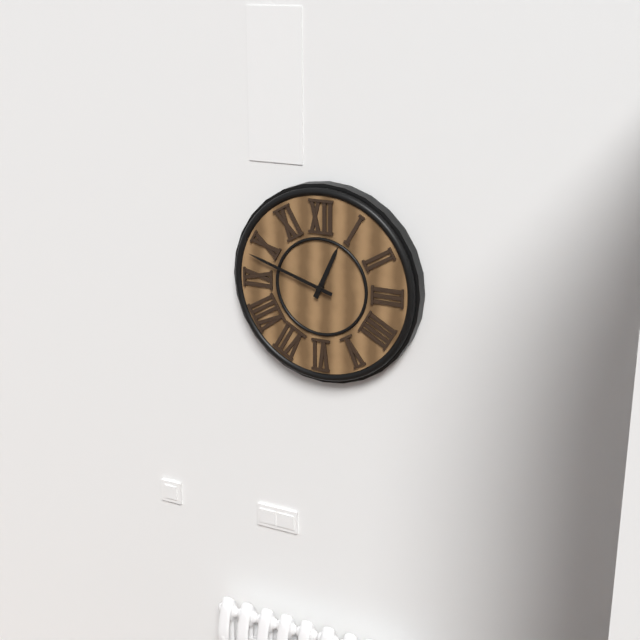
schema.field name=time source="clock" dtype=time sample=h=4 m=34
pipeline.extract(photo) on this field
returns h=12 m=48
